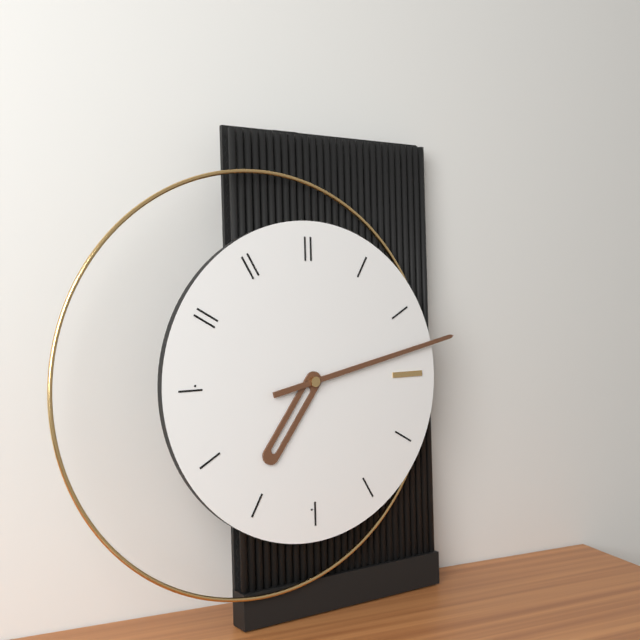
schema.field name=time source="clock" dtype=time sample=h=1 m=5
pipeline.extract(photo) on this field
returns h=7 m=13
